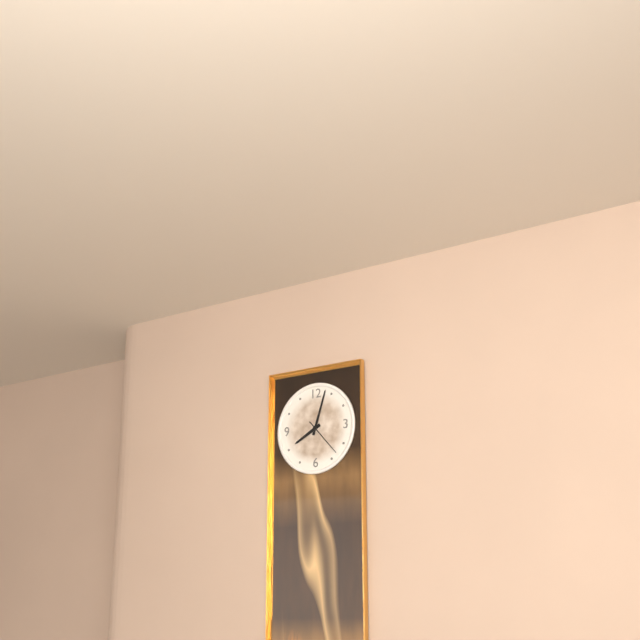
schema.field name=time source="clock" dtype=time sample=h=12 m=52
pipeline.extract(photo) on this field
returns h=8 m=3
